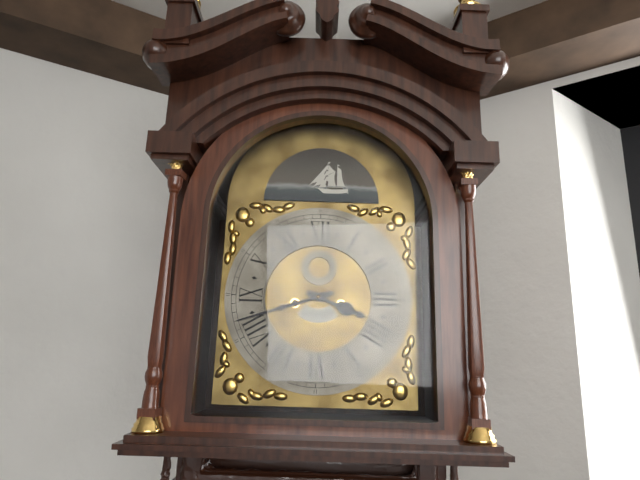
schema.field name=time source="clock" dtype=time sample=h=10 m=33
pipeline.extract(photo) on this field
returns h=3 m=42
